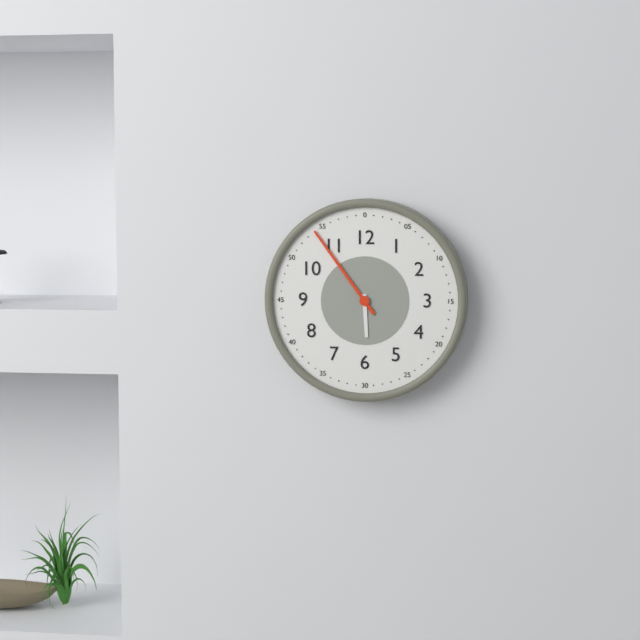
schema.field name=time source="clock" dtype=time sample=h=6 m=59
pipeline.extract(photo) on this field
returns h=5 m=54
